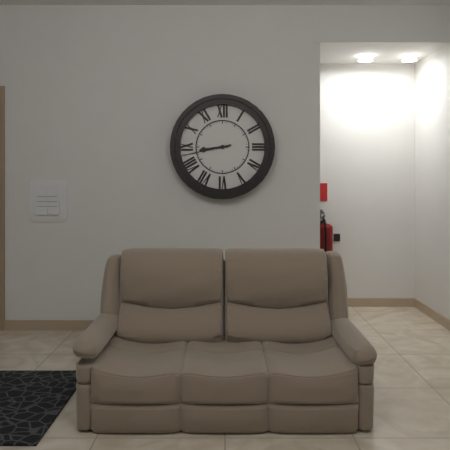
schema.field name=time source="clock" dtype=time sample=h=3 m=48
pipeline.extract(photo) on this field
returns h=8 m=43
